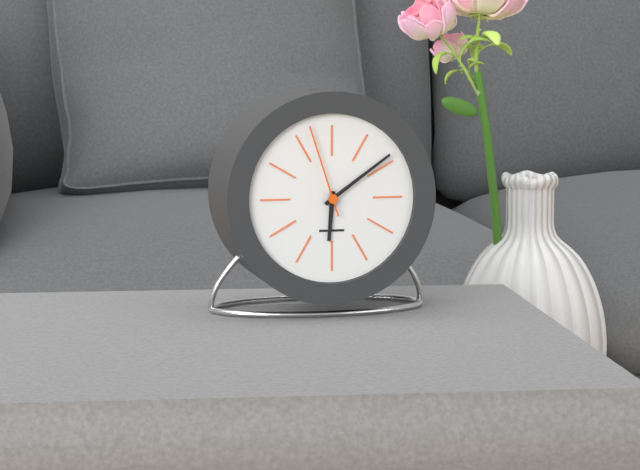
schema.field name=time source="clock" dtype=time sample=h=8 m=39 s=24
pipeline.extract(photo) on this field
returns h=6 m=9 s=57
